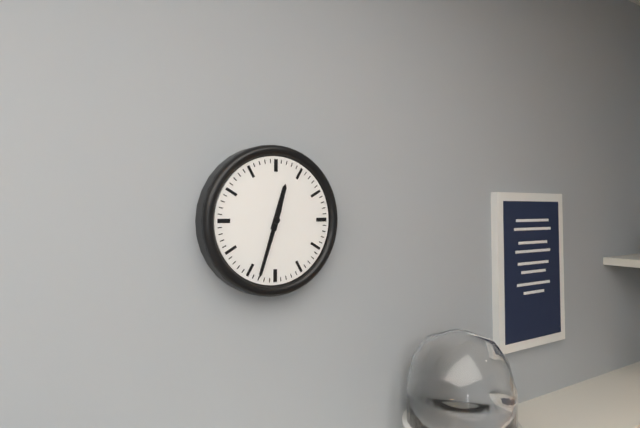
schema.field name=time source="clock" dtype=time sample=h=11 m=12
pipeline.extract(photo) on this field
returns h=12 m=33
